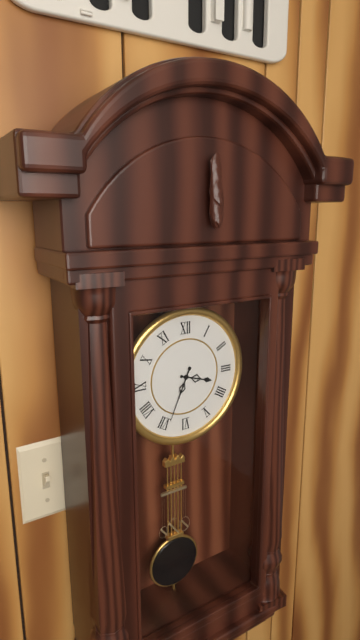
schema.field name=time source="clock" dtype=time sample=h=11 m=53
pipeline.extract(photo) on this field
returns h=3 m=34
